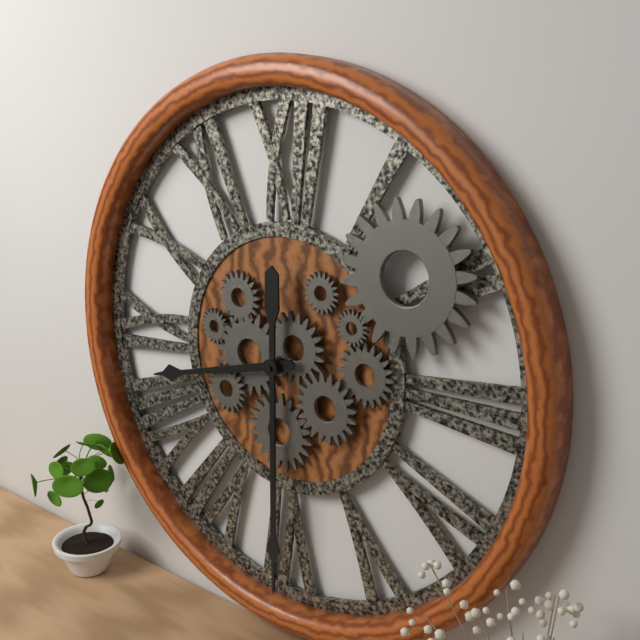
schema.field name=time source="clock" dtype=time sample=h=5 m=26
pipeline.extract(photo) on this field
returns h=8 m=30
